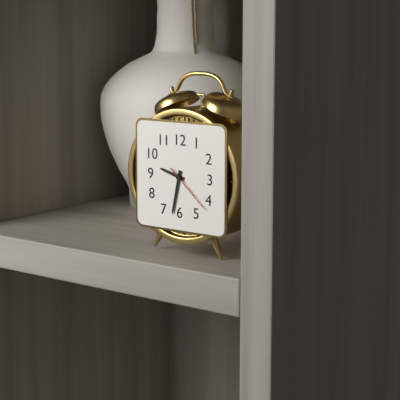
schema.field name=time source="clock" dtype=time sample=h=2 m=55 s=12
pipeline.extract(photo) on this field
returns h=9 m=32 s=22
